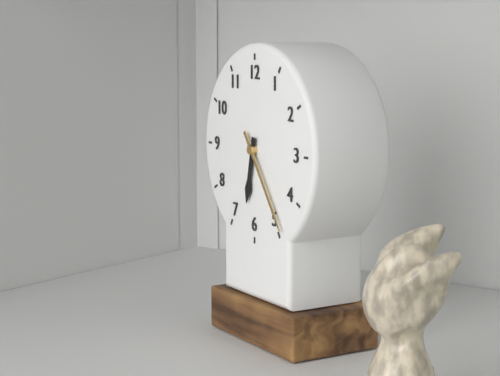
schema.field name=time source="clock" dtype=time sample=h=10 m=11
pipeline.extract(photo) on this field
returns h=6 m=24
